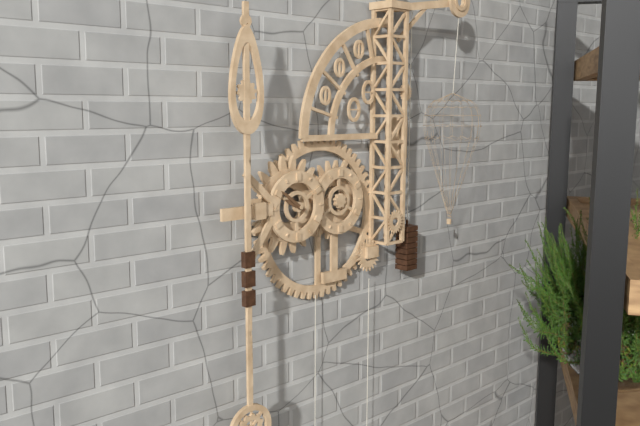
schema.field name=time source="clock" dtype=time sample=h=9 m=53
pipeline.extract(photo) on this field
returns h=9 m=51
